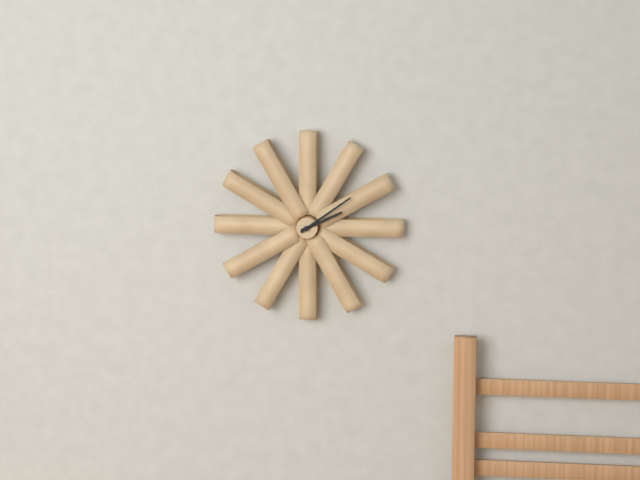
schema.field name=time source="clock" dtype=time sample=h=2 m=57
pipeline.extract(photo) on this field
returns h=2 m=9
